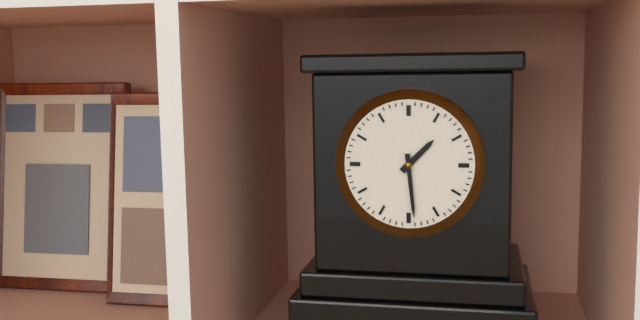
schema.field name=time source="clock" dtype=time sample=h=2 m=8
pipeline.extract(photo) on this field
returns h=1 m=29
